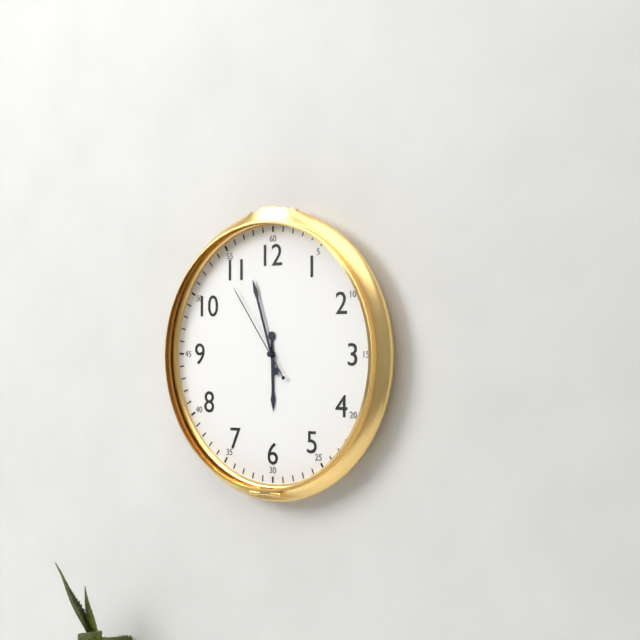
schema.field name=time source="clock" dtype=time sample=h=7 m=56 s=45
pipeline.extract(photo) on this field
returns h=5 m=57 s=54
